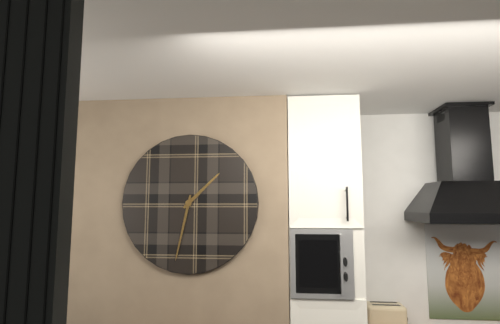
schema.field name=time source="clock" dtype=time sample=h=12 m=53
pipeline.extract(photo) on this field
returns h=1 m=32
